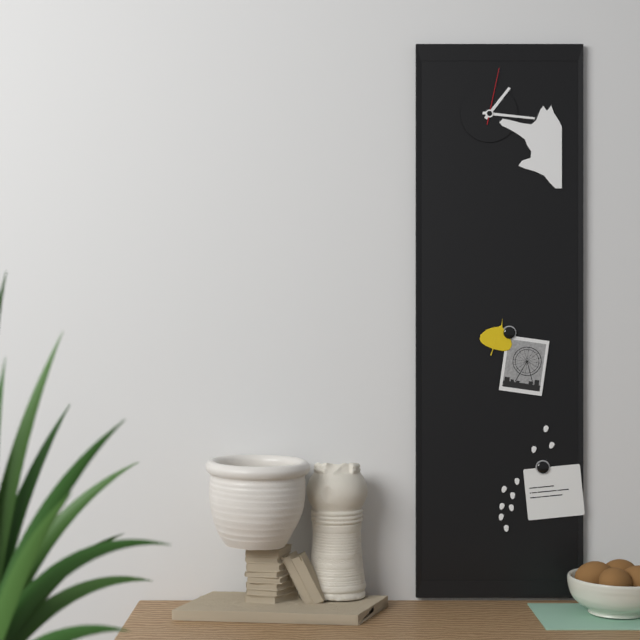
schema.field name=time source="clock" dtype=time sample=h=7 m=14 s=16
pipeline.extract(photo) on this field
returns h=1 m=16 s=2
